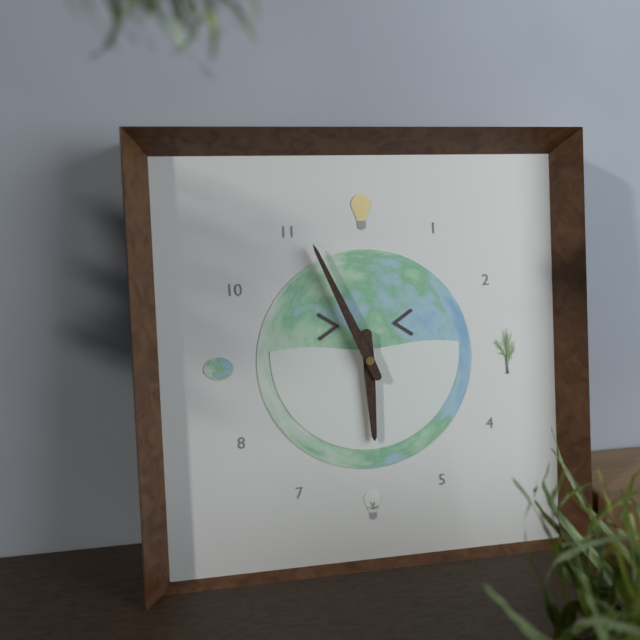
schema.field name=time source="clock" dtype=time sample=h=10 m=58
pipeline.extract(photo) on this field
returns h=5 m=56
